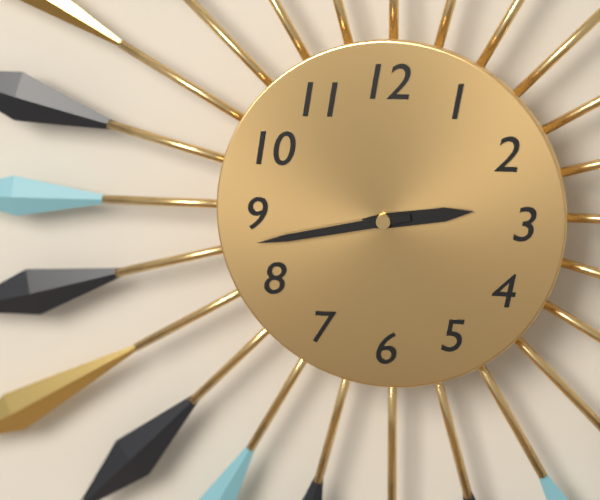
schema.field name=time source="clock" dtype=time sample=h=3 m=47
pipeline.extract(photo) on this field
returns h=2 m=43
